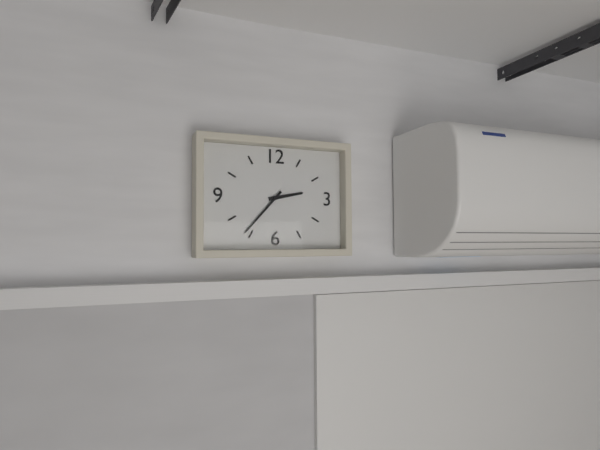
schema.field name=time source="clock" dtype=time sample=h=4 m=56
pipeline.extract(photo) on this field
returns h=2 m=37
